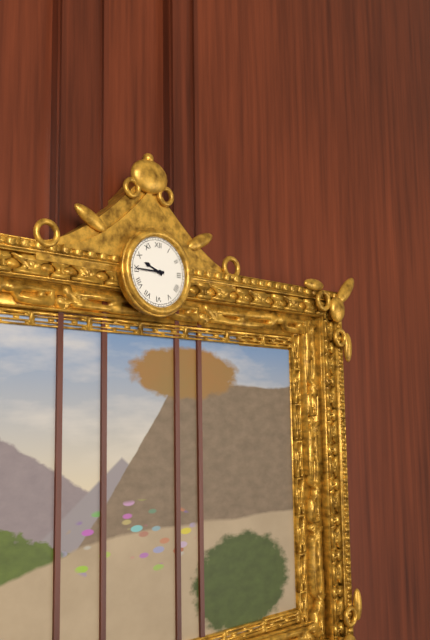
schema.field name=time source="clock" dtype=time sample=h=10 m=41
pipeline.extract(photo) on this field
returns h=9 m=45
